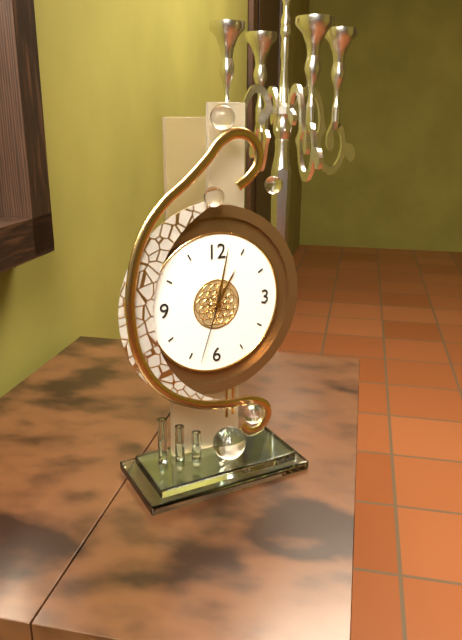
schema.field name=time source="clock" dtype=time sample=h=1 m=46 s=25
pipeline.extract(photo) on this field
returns h=1 m=2 s=33
